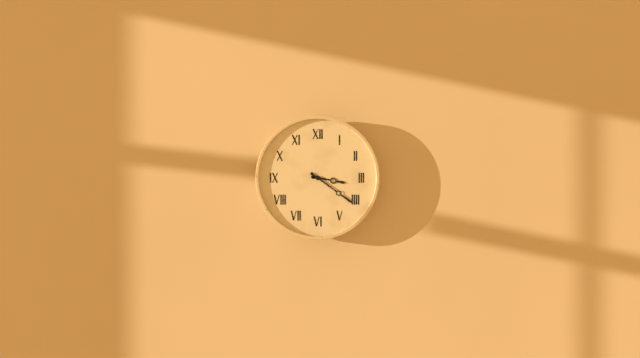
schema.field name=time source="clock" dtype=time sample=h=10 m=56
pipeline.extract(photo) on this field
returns h=3 m=21
